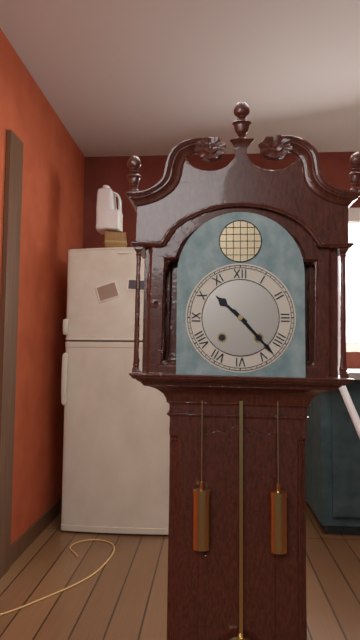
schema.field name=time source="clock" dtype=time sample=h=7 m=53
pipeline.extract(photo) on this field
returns h=10 m=23
